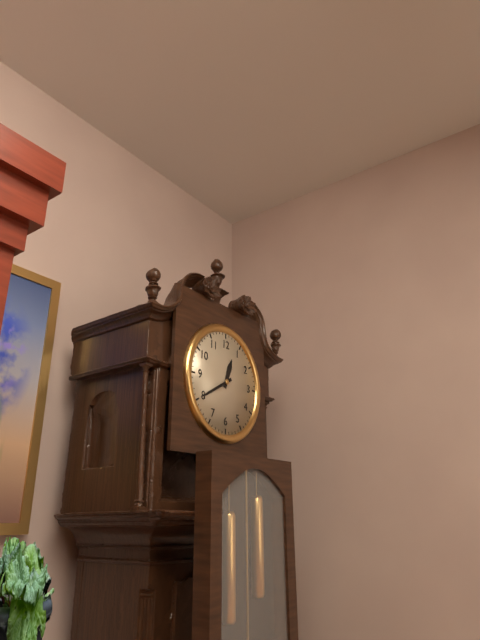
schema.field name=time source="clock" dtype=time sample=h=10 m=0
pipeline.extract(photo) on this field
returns h=12 m=40
